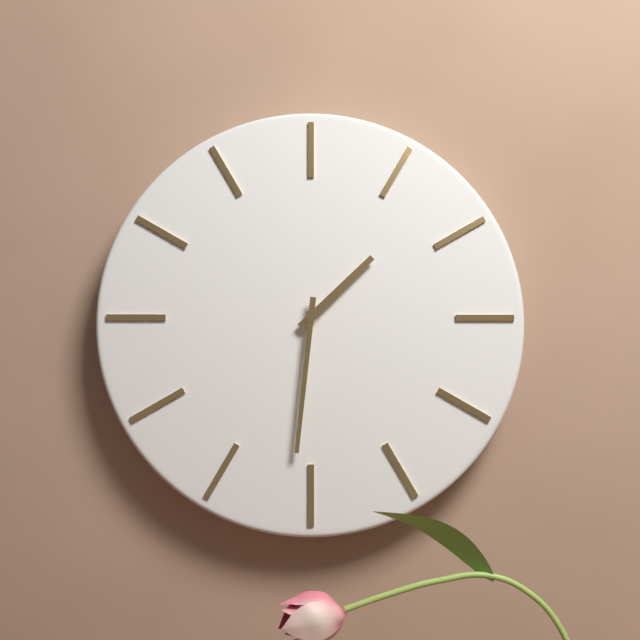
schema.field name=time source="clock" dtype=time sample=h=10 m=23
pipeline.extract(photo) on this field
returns h=1 m=31
